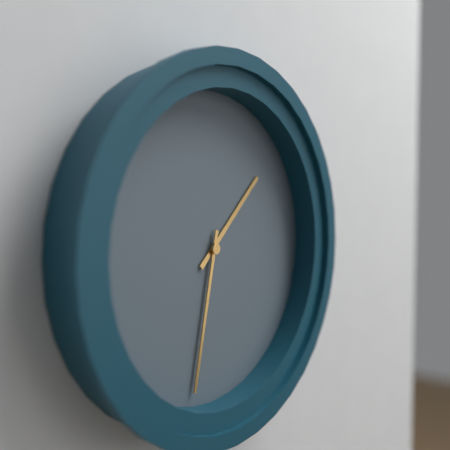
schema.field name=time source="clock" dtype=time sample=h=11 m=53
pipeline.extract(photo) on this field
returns h=1 m=32
